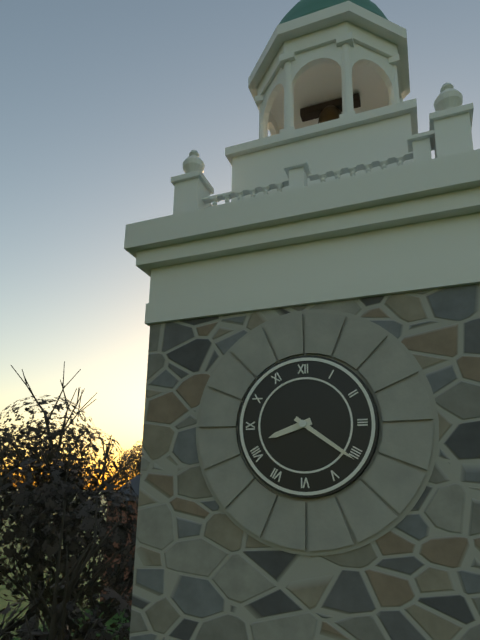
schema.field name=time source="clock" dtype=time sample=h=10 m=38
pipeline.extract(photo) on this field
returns h=8 m=21
